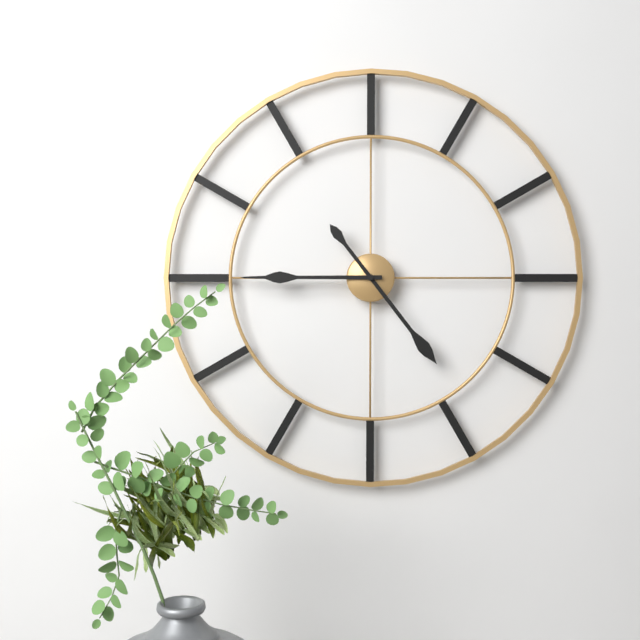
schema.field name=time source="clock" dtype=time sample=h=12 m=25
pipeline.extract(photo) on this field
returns h=4 m=45
